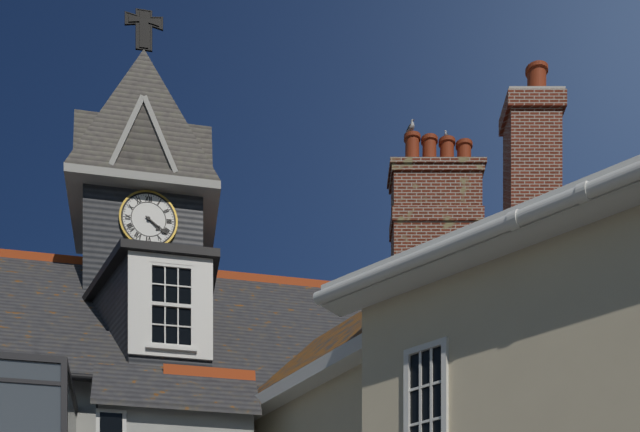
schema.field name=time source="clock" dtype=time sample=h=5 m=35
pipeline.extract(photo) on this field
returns h=4 m=21
